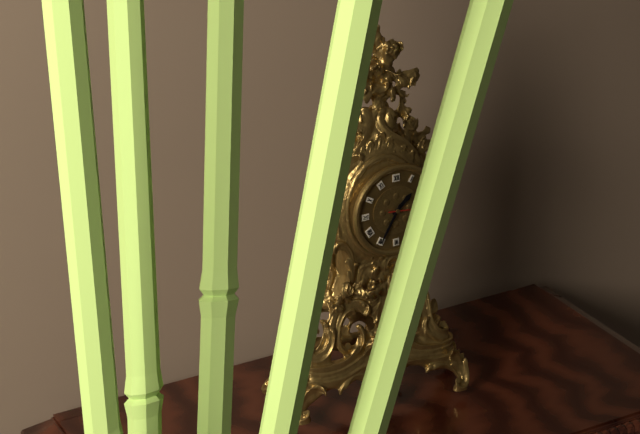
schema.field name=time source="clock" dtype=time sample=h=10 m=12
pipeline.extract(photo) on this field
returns h=1 m=35
